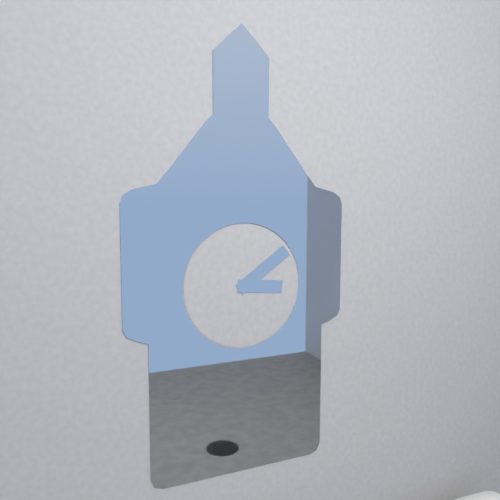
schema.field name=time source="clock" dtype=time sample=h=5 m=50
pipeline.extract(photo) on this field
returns h=3 m=9
